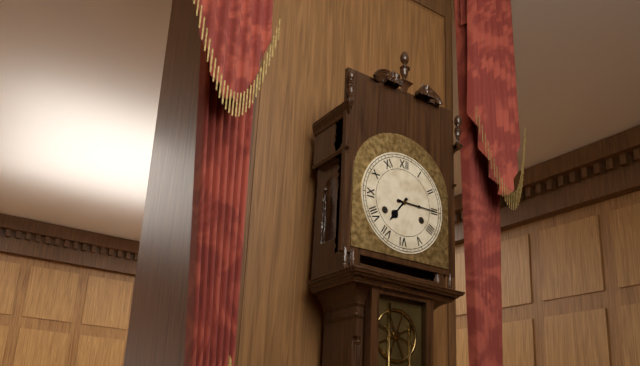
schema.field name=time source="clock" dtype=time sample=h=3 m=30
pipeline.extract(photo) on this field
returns h=7 m=15
